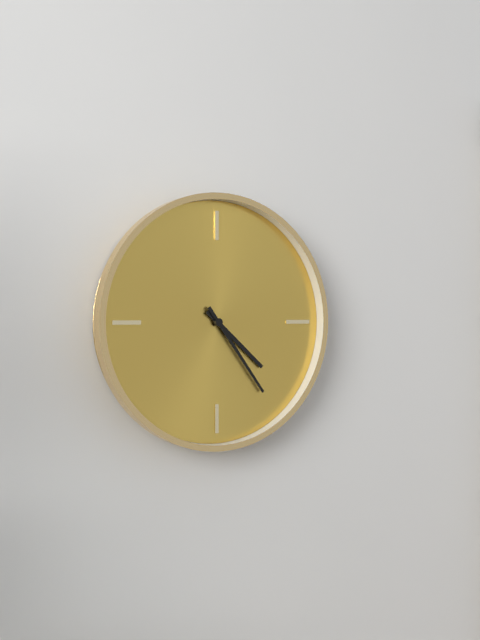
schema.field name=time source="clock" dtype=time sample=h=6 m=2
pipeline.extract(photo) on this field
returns h=4 m=24
